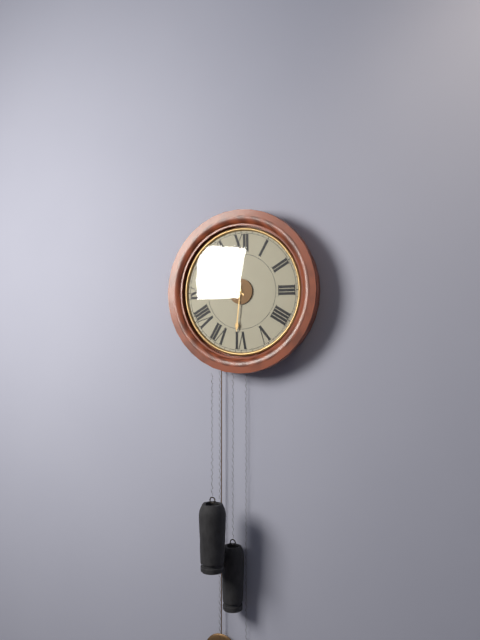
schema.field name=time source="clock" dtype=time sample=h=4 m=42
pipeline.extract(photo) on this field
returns h=10 m=31
